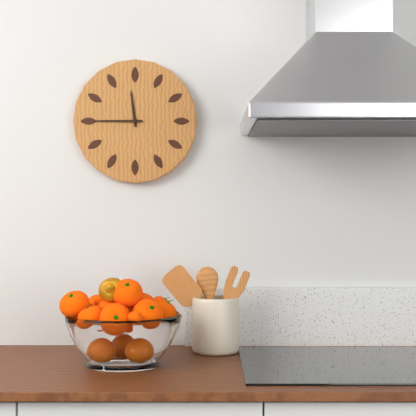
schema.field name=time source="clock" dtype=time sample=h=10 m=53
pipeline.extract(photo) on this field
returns h=11 m=45
